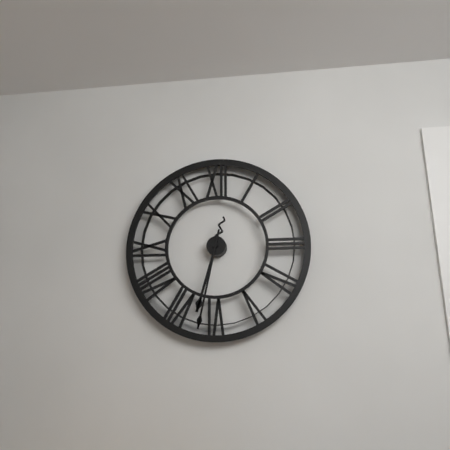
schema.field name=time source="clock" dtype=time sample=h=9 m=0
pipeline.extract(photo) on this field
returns h=6 m=32
